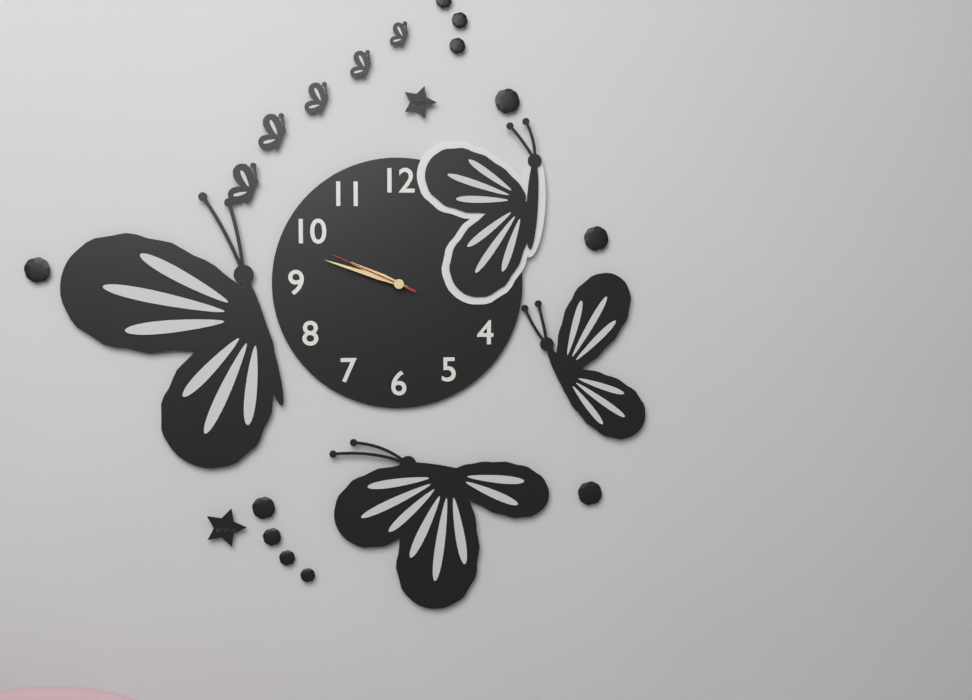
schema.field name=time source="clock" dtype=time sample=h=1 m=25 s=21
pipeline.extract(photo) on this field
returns h=9 m=48 s=49
